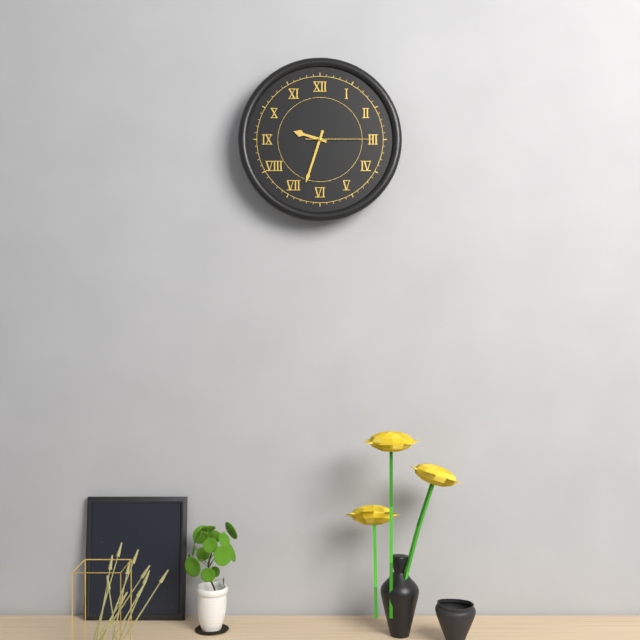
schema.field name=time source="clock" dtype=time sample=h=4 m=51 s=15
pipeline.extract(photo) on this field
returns h=9 m=33 s=15
